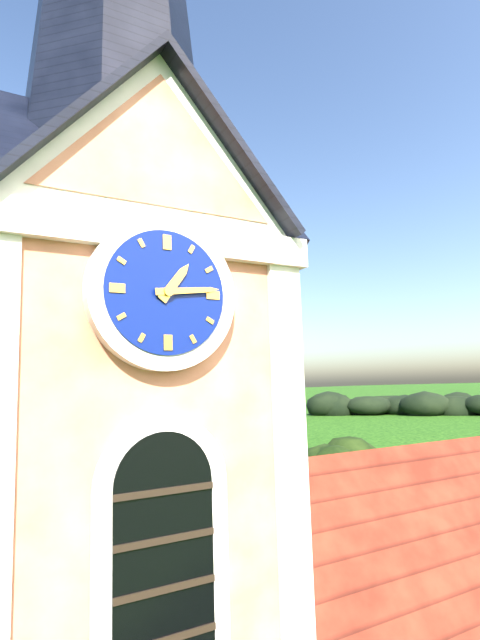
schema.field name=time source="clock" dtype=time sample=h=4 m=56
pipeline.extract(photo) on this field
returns h=1 m=14
